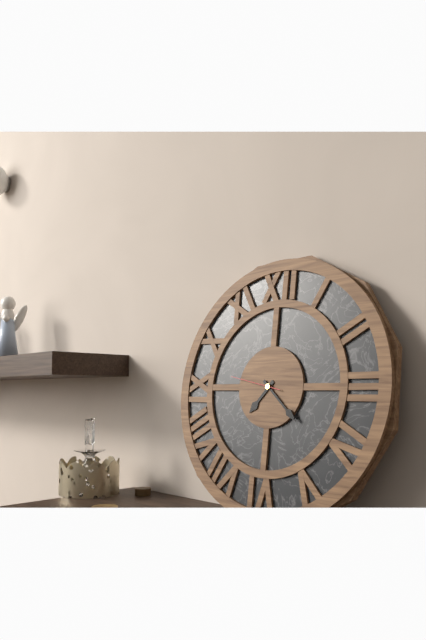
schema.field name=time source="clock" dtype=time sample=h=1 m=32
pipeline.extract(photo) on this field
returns h=7 m=22
